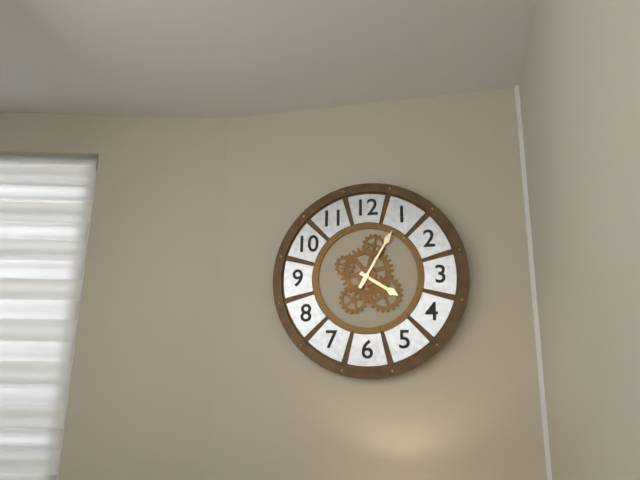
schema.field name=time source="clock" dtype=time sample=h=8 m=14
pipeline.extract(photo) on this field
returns h=4 m=5
